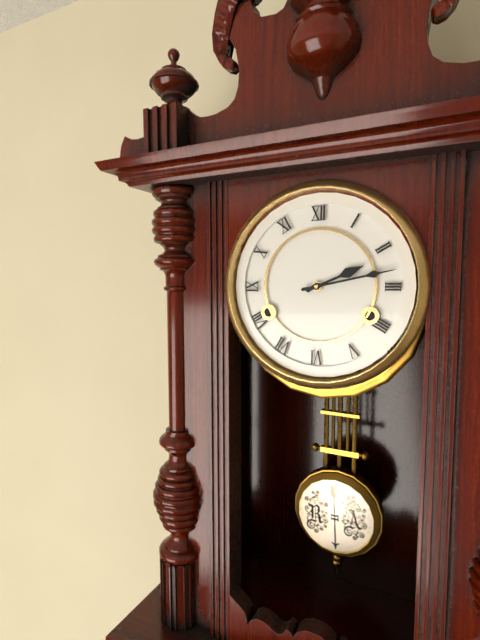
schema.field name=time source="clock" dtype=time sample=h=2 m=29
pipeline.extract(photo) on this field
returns h=2 m=13
